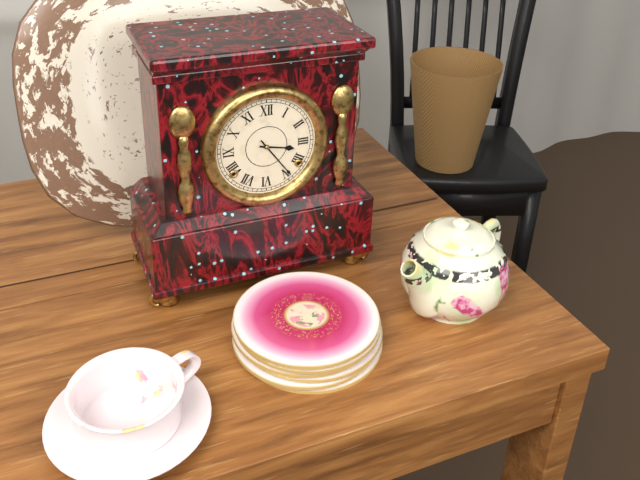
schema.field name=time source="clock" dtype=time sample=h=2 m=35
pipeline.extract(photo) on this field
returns h=3 m=24
